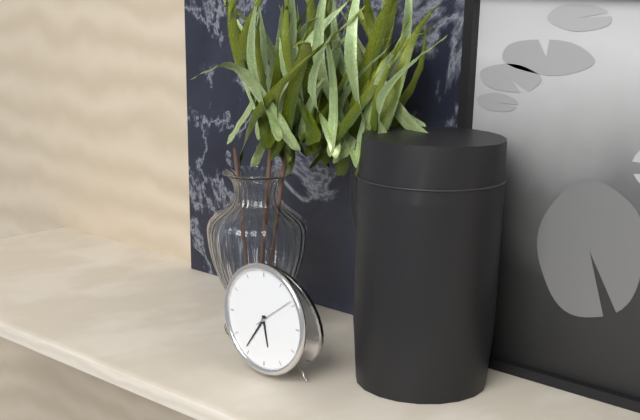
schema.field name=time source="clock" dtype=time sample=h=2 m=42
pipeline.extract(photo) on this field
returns h=5 m=36
